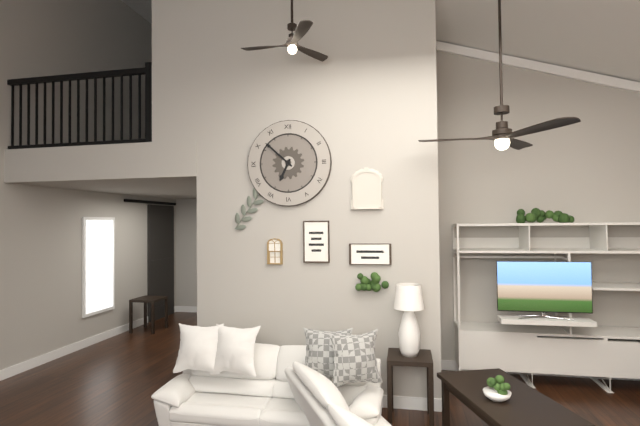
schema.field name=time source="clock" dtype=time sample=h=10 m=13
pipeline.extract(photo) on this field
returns h=6 m=52
